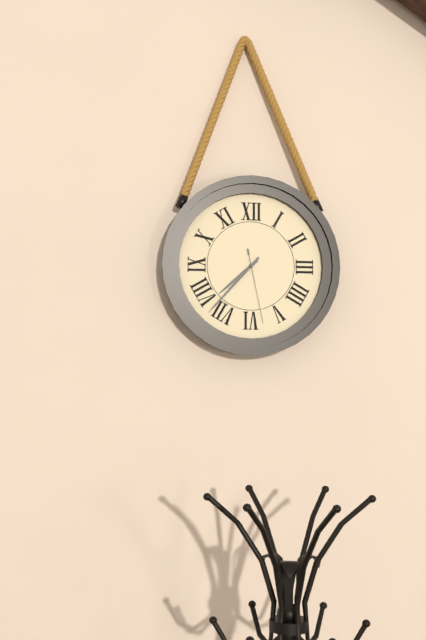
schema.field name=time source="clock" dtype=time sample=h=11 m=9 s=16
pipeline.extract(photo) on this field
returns h=7 m=37 s=28
